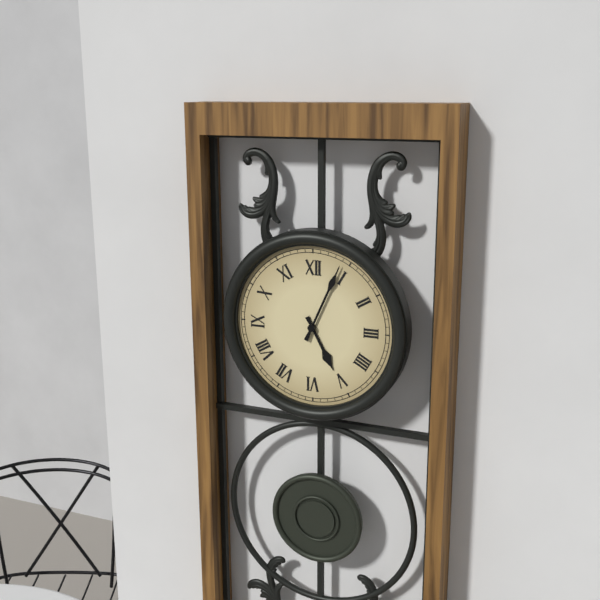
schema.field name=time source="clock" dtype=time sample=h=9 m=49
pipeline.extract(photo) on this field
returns h=5 m=4
